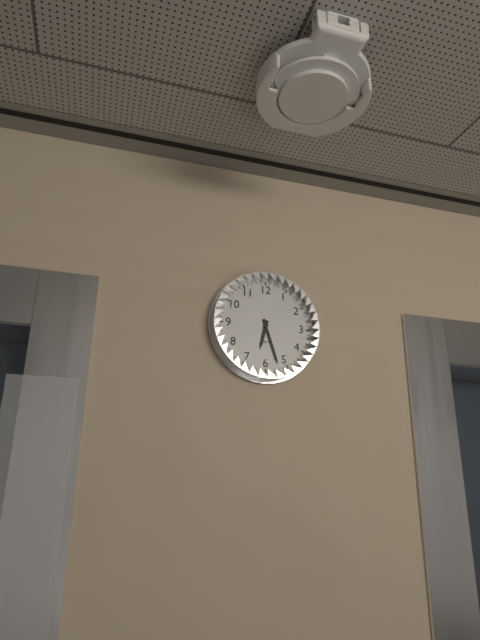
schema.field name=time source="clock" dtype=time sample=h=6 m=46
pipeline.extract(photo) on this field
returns h=6 m=27
